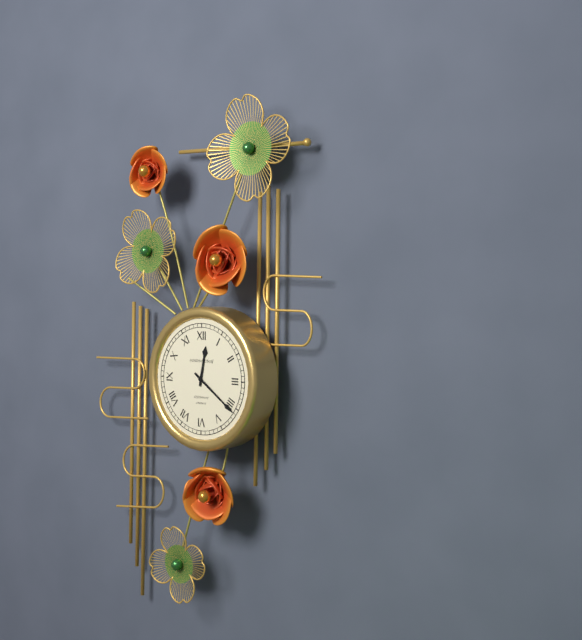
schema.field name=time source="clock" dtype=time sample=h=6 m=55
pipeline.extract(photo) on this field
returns h=12 m=21
